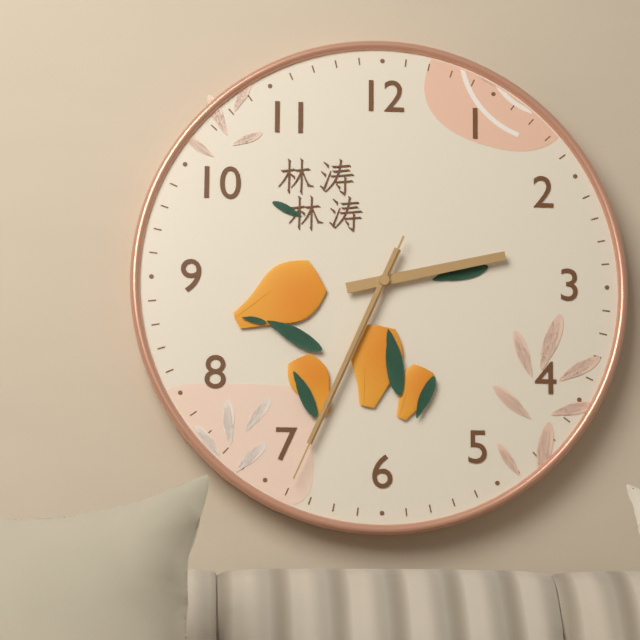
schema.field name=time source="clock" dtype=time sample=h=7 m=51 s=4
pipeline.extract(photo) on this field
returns h=2 m=34 s=34
